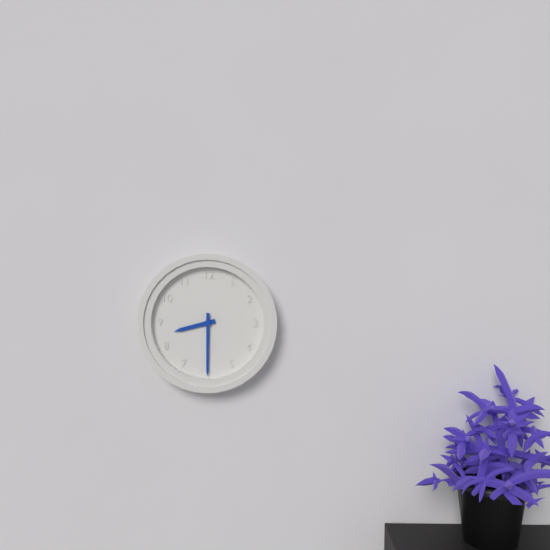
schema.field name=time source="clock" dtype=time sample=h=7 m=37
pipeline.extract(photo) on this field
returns h=8 m=30
